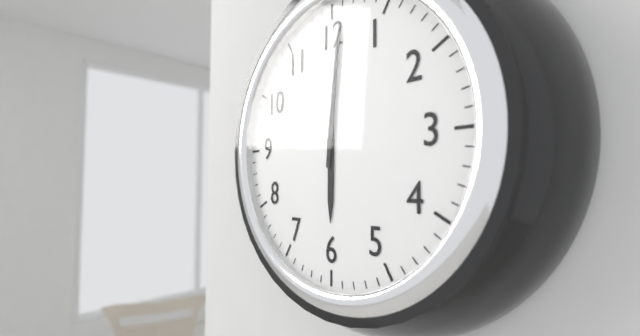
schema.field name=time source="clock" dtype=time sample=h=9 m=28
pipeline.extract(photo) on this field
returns h=6 m=1
